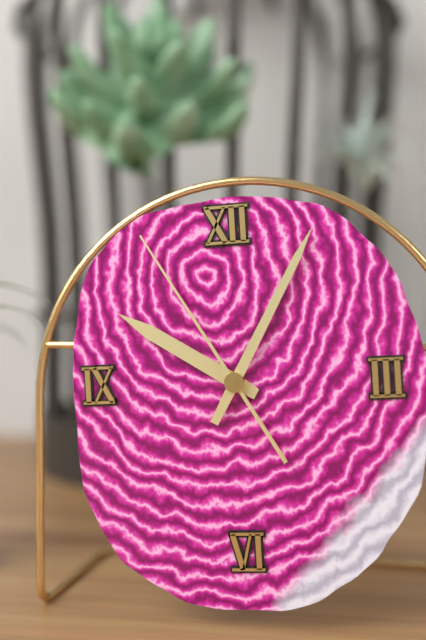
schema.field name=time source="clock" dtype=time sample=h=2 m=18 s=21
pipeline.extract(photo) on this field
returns h=10 m=5 s=55
